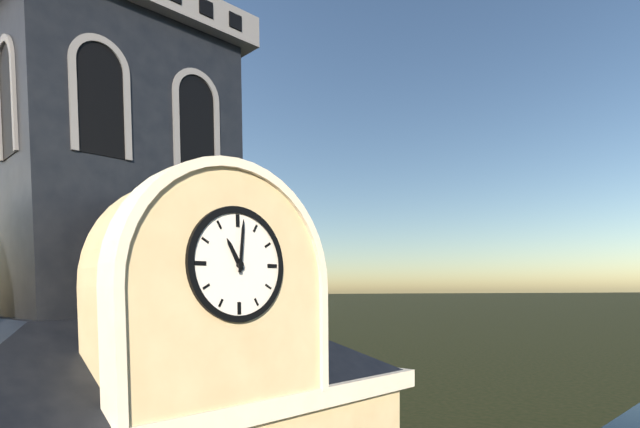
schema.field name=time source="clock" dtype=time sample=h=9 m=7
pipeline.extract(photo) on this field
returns h=11 m=1
